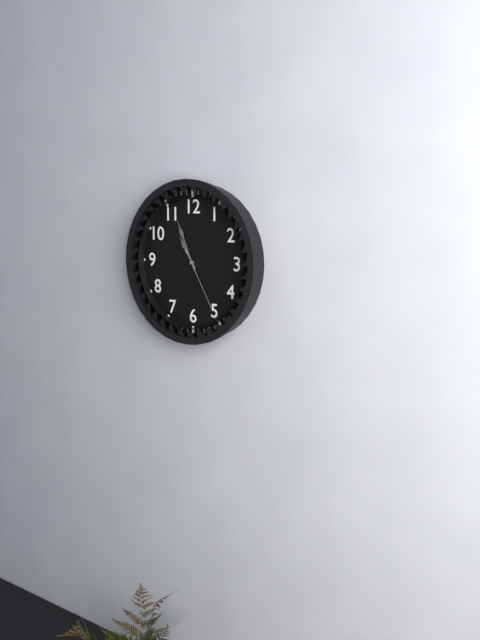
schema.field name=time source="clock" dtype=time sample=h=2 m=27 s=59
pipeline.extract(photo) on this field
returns h=10 m=56 s=25
